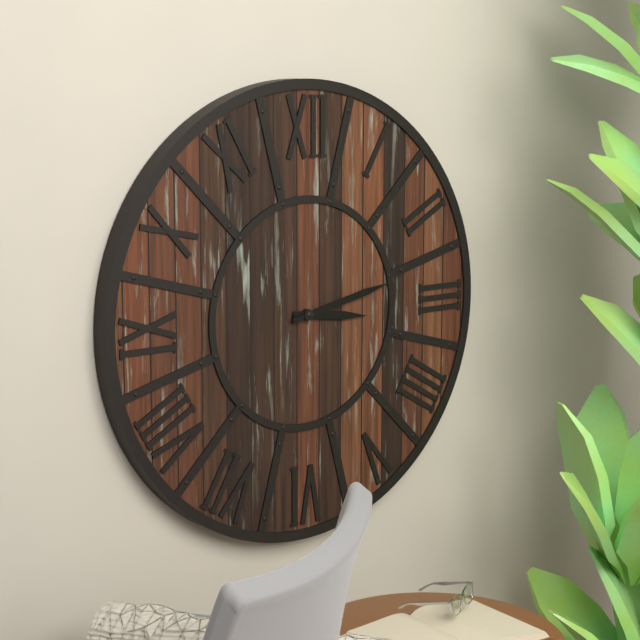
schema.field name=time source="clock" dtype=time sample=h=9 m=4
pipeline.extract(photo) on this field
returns h=3 m=13
